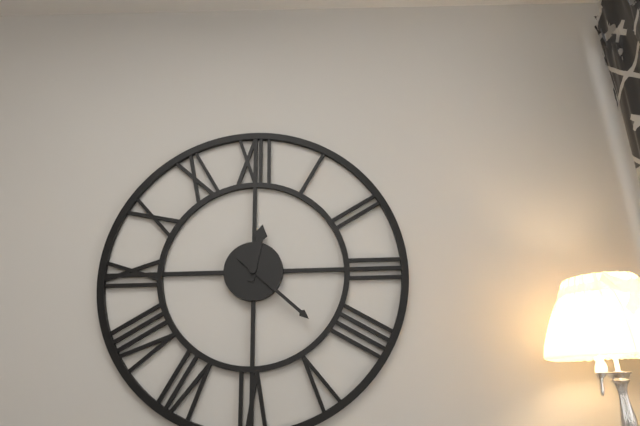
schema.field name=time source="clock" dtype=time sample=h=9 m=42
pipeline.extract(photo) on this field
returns h=12 m=22
